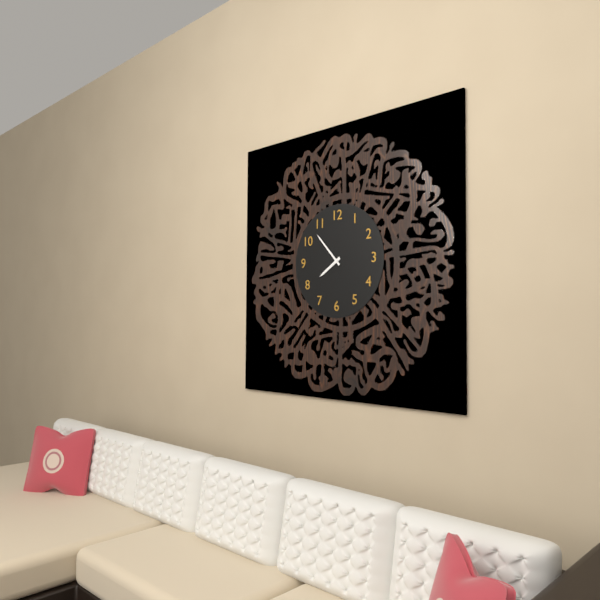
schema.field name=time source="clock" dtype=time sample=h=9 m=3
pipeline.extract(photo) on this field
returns h=7 m=53
